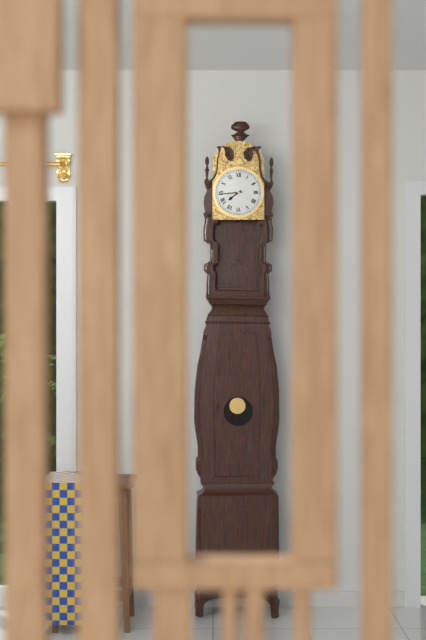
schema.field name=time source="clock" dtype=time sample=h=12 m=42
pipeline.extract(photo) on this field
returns h=7 m=44
